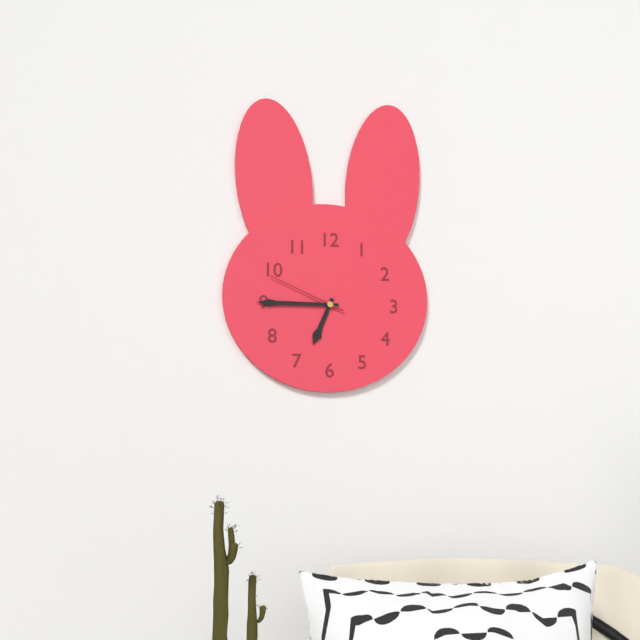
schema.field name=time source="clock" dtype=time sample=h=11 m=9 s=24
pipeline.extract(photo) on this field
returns h=6 m=45 s=49
